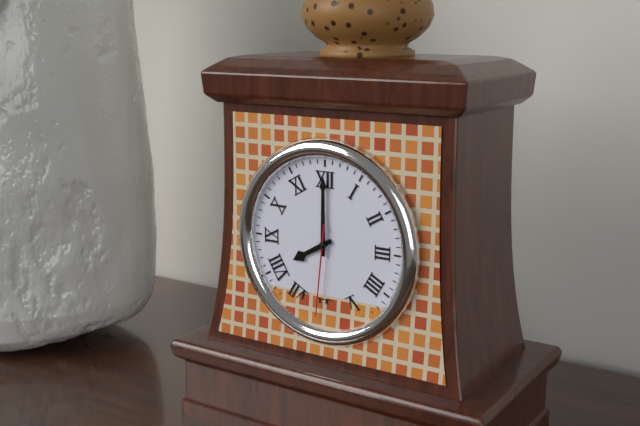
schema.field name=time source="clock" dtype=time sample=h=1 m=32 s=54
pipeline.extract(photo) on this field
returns h=8 m=0 s=31
